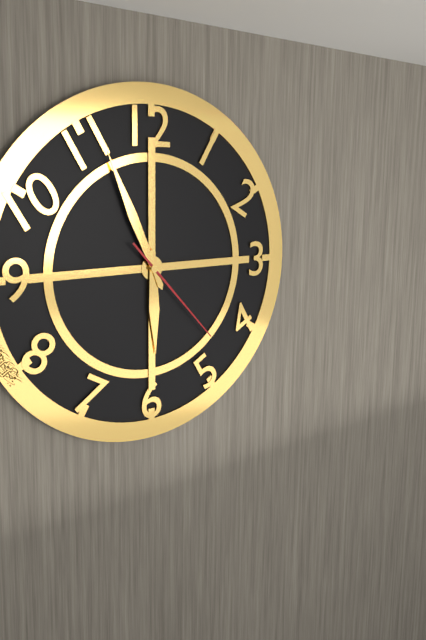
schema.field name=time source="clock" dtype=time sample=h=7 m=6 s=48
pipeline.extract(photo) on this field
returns h=5 m=56 s=23
